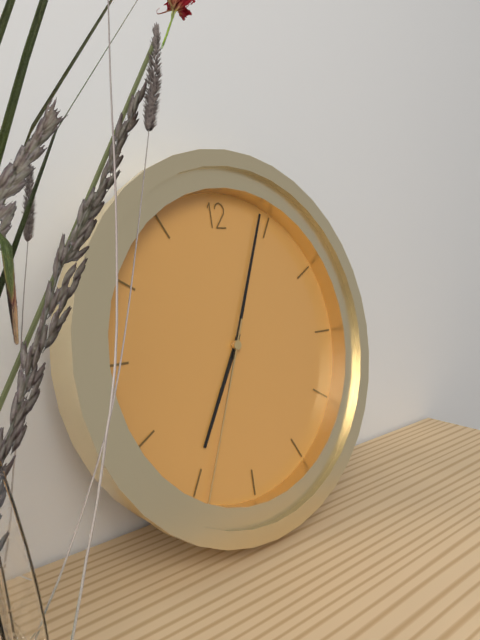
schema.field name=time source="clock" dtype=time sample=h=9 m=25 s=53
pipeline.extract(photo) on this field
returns h=7 m=4 s=34
